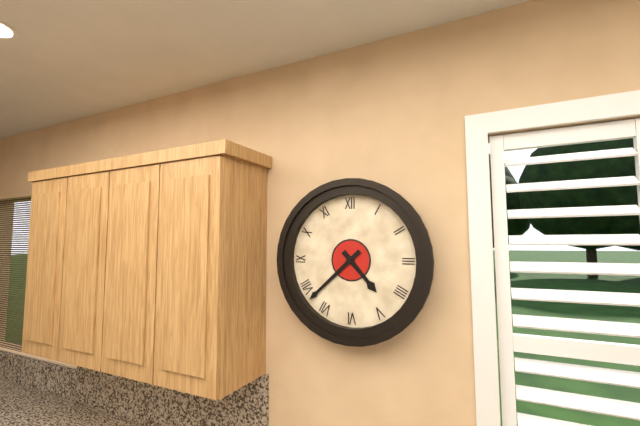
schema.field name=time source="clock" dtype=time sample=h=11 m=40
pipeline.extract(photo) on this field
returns h=4 m=38
